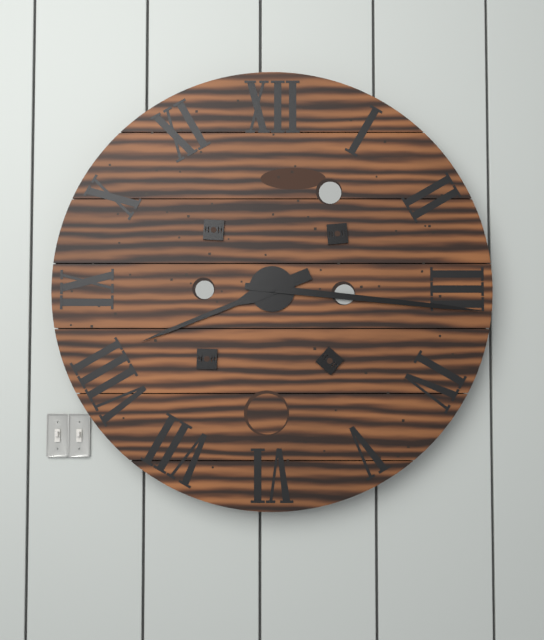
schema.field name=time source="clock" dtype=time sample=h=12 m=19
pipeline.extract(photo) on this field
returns h=8 m=16
